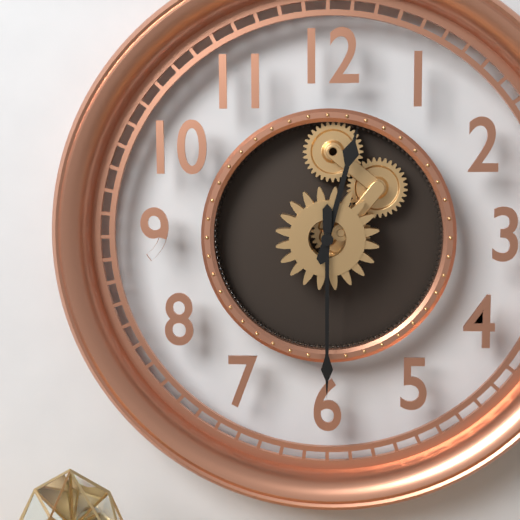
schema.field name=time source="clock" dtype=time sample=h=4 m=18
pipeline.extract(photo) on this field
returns h=12 m=30
